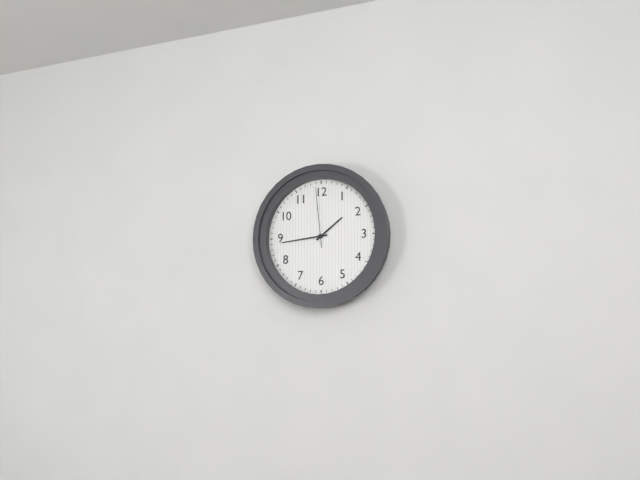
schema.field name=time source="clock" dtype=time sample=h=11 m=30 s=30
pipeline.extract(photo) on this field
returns h=1 m=44 s=59
